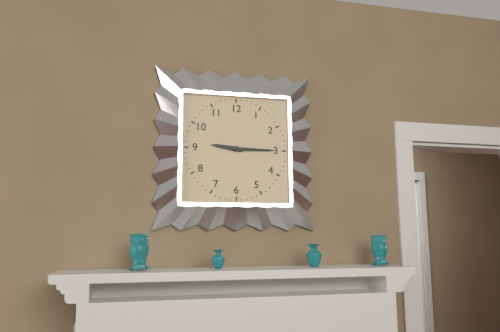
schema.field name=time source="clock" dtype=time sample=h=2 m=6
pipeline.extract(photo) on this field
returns h=9 m=15
